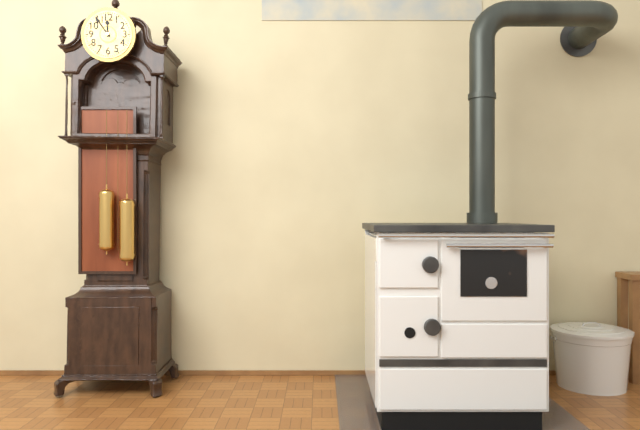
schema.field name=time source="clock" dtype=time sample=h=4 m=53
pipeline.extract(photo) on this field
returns h=11 m=54
